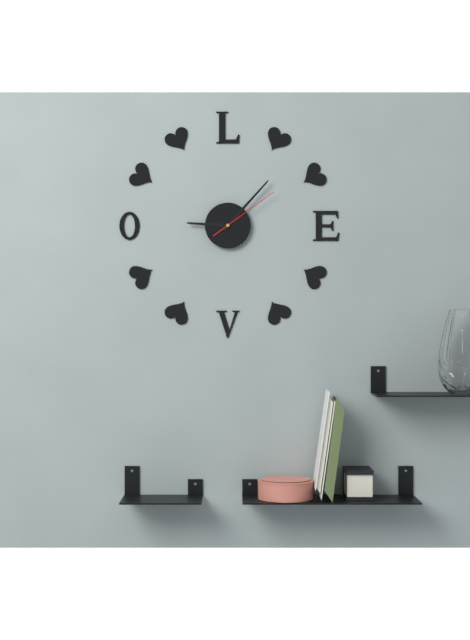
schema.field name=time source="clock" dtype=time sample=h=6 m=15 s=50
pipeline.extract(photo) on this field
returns h=9 m=7 s=9
